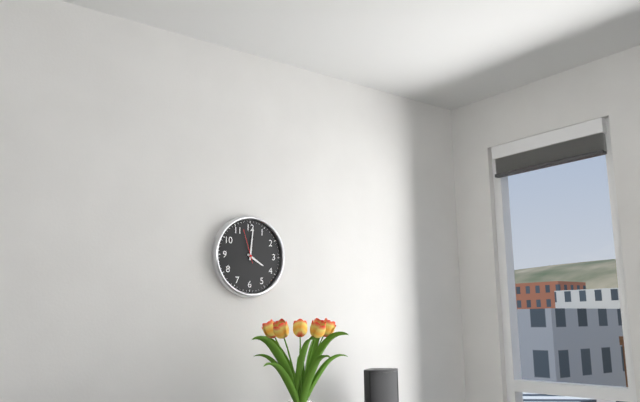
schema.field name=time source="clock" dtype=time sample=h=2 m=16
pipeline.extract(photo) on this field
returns h=4 m=1
